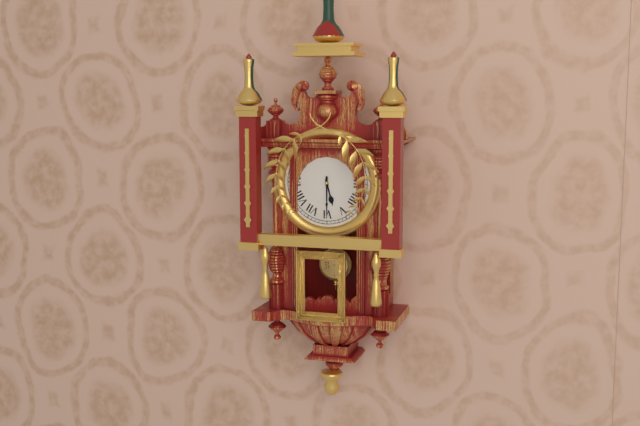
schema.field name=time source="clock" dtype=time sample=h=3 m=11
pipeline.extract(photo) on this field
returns h=5 m=30
